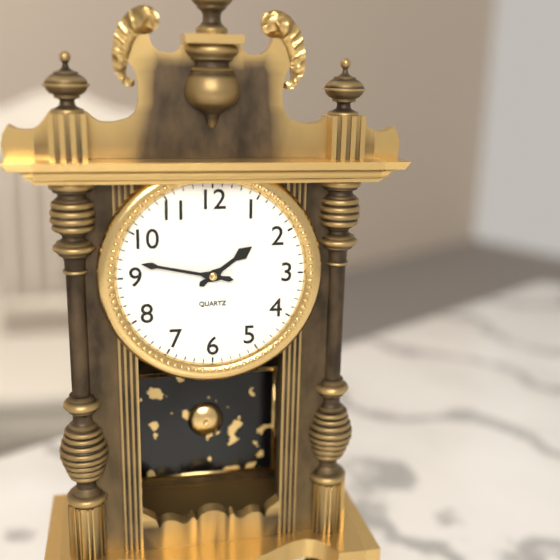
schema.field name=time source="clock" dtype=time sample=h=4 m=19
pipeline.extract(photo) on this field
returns h=1 m=47
